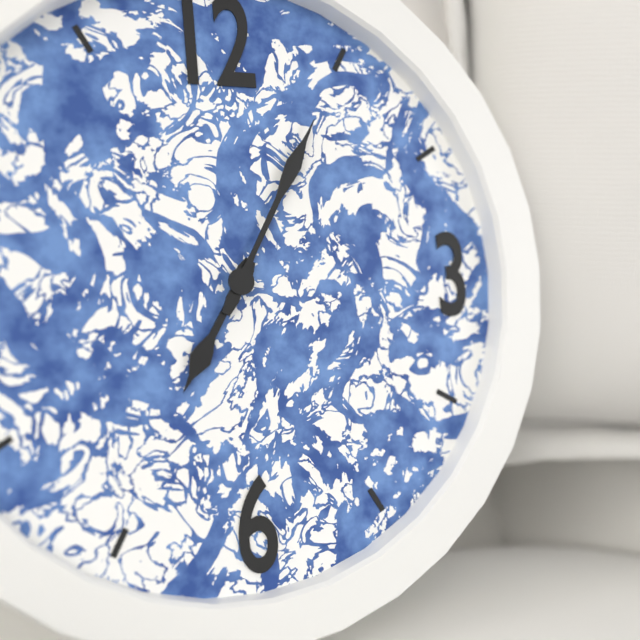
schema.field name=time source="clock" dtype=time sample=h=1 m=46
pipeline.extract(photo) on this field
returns h=7 m=5
